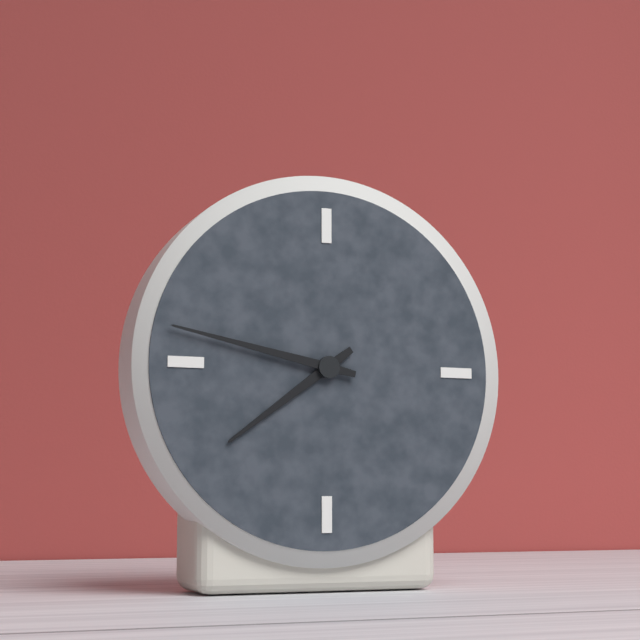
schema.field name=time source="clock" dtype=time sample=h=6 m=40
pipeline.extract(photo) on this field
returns h=7 m=47
